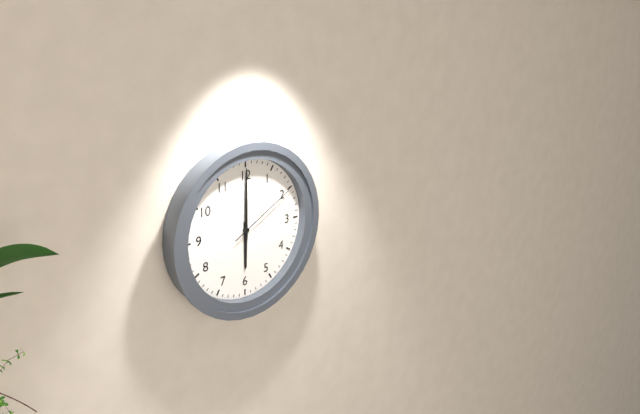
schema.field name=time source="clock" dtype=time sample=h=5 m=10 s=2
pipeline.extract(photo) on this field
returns h=6 m=0 s=10
